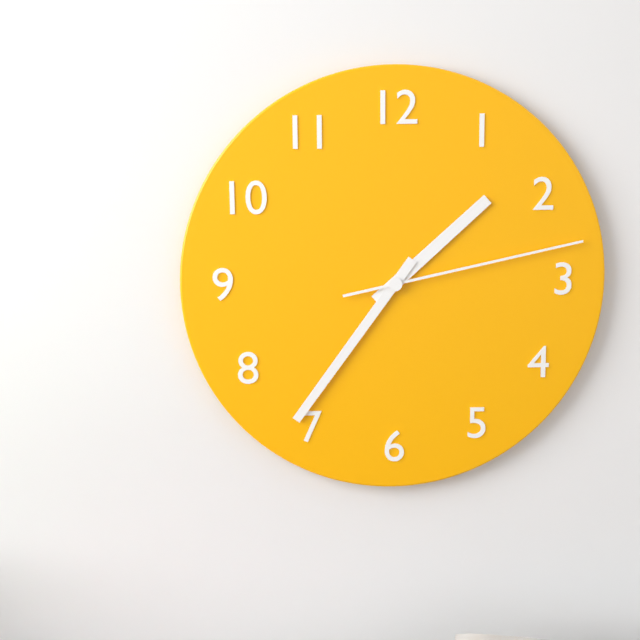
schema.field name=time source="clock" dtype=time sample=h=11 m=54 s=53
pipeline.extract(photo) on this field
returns h=1 m=36 s=13
